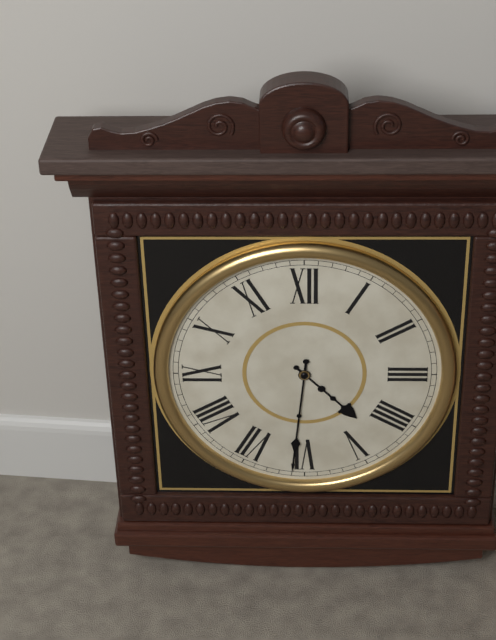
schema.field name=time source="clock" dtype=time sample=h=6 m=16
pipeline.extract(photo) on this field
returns h=4 m=31
